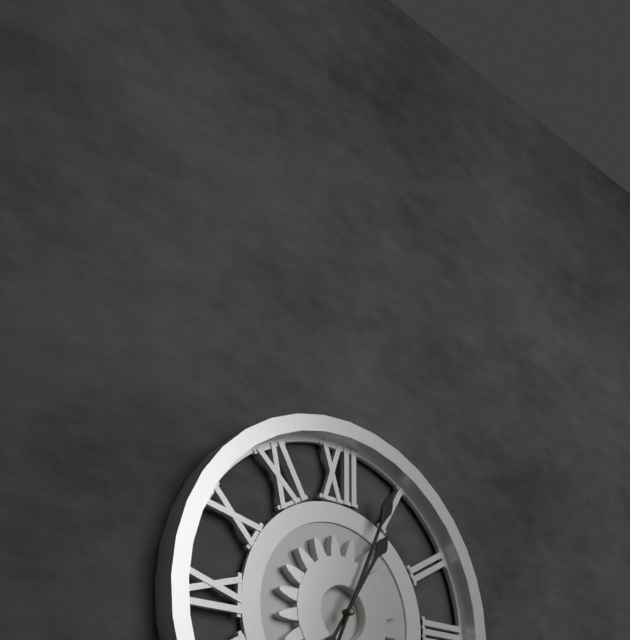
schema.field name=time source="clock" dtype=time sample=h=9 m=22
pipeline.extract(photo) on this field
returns h=1 m=4
